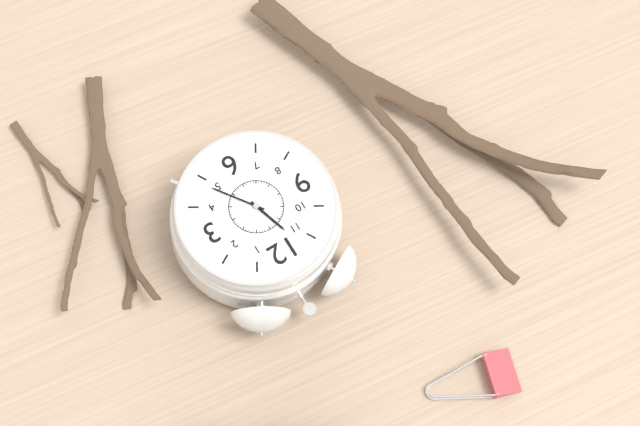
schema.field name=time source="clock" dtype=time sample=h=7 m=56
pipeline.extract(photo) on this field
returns h=11 m=24
